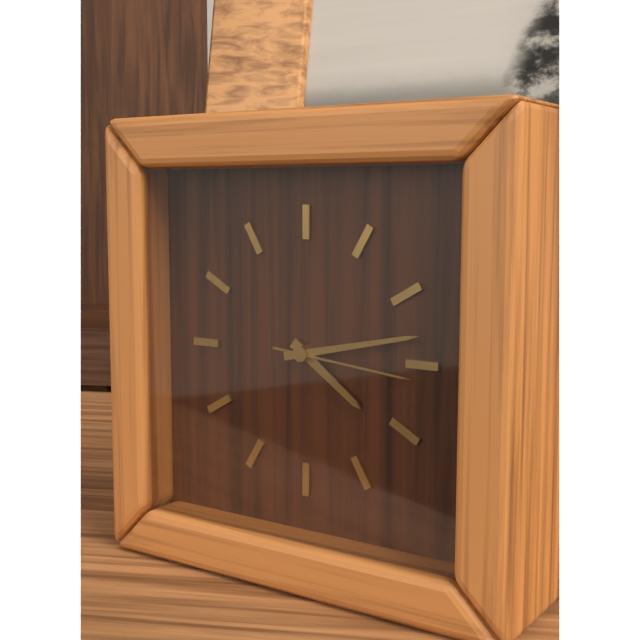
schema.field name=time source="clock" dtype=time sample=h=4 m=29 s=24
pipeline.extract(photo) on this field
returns h=4 m=13 s=16
